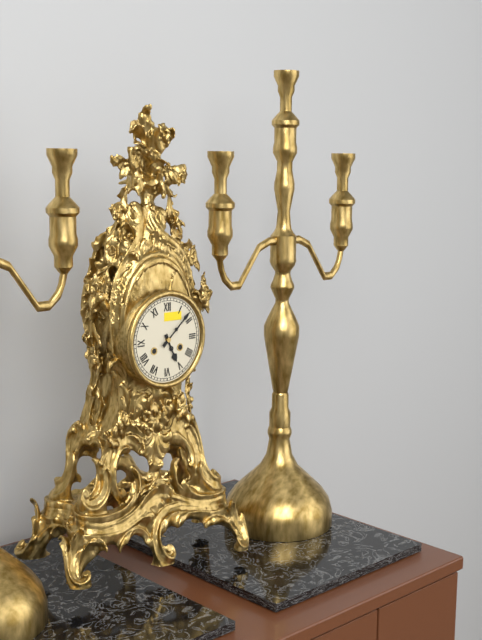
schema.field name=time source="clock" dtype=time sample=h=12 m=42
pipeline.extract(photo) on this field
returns h=5 m=8
